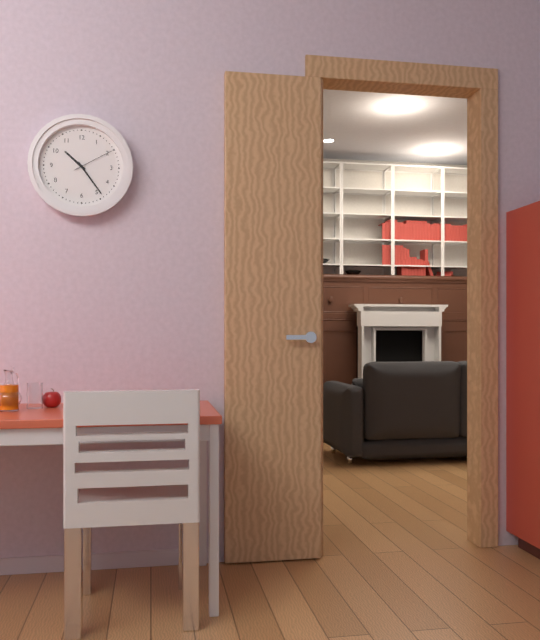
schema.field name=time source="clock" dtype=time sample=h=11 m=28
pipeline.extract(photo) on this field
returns h=10 m=24
